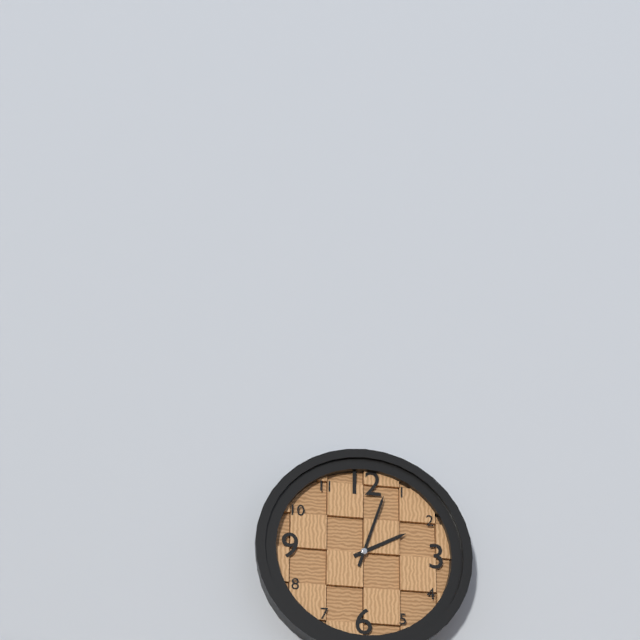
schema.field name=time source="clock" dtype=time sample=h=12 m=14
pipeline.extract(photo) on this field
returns h=2 m=3
